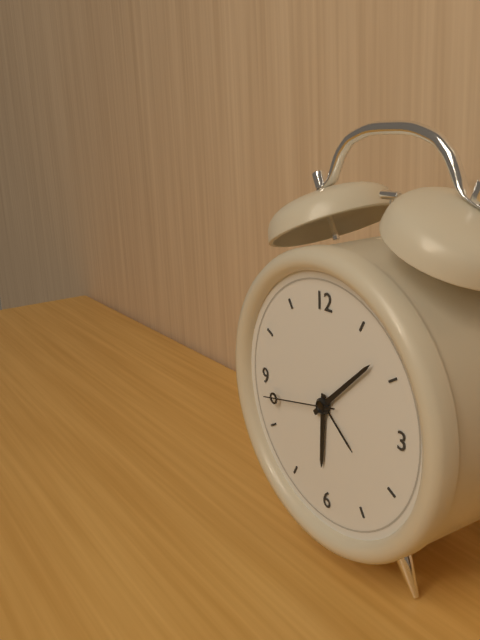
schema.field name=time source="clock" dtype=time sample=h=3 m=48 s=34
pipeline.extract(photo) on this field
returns h=6 m=8 s=43
